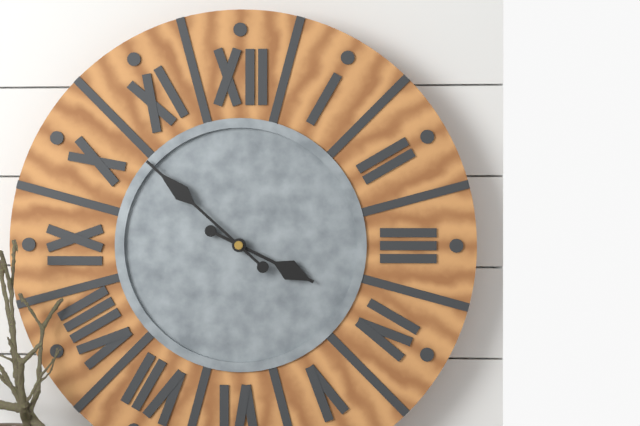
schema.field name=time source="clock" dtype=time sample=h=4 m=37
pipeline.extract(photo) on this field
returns h=3 m=52
